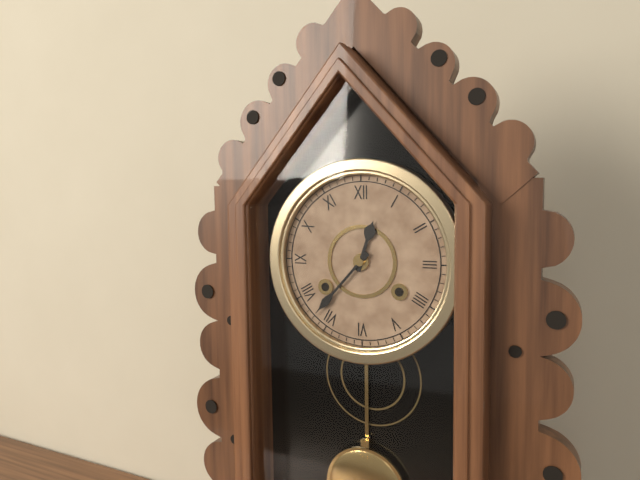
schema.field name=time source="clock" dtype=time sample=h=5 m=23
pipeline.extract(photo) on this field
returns h=12 m=37
